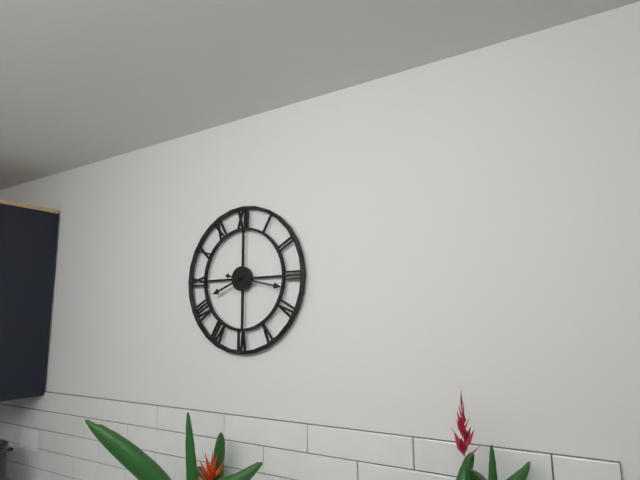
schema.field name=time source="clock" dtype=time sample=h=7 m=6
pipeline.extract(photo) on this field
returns h=8 m=17
